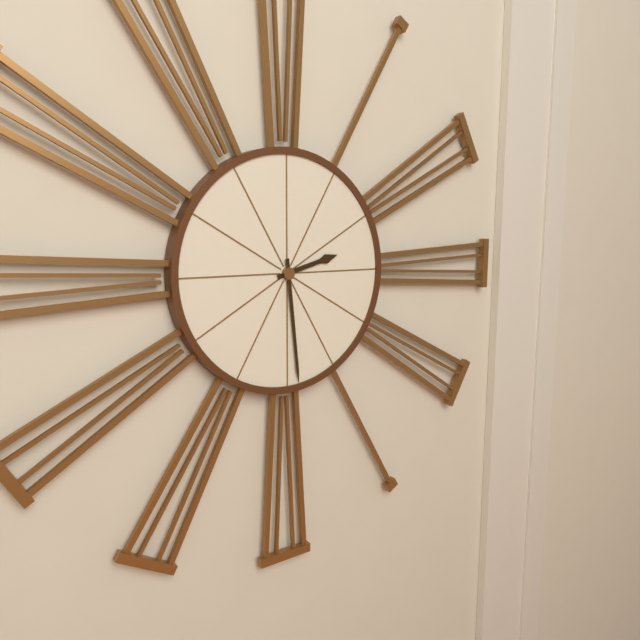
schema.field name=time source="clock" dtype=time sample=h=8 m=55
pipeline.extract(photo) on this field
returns h=2 m=29
